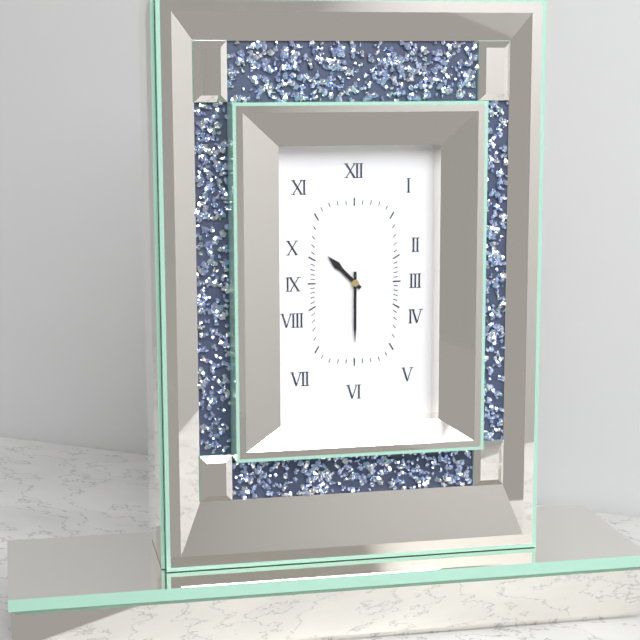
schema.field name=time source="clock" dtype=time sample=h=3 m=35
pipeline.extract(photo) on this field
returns h=10 m=30
